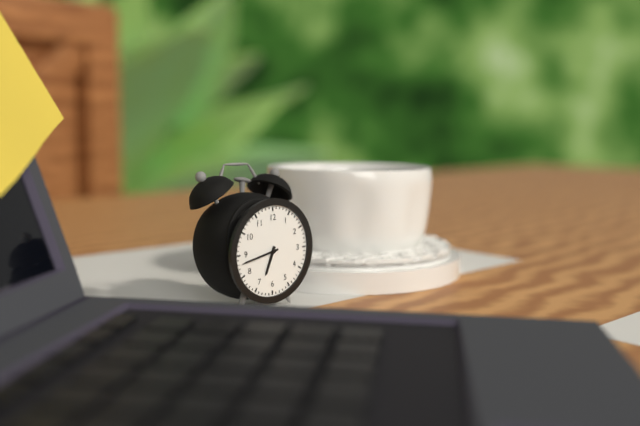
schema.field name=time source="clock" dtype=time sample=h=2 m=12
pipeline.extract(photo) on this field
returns h=6 m=43
